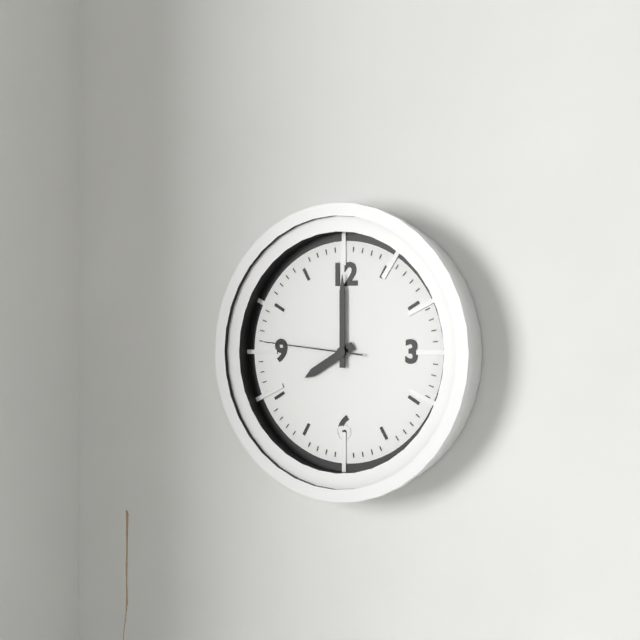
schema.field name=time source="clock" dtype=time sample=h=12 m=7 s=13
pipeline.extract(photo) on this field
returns h=8 m=0 s=46
